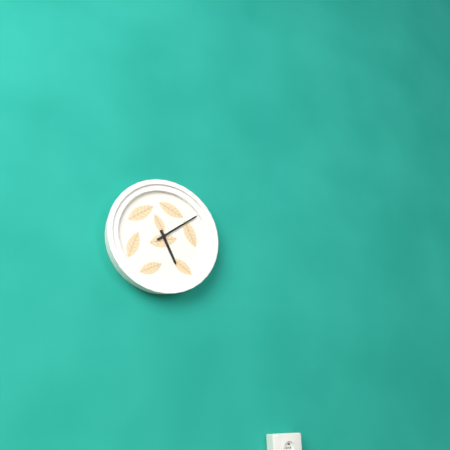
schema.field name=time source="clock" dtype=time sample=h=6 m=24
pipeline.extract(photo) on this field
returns h=5 m=9
